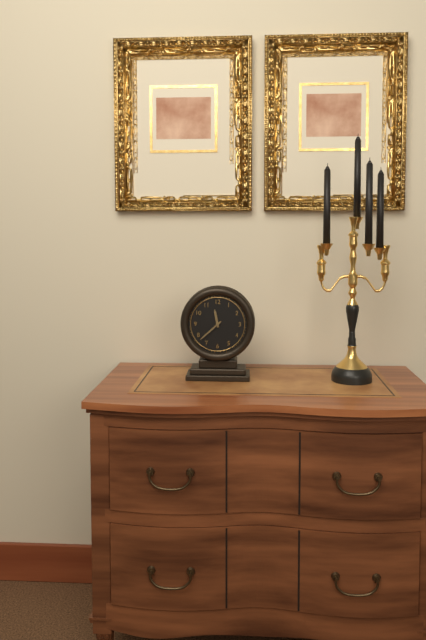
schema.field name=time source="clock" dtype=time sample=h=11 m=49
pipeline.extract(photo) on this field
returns h=11 m=38
